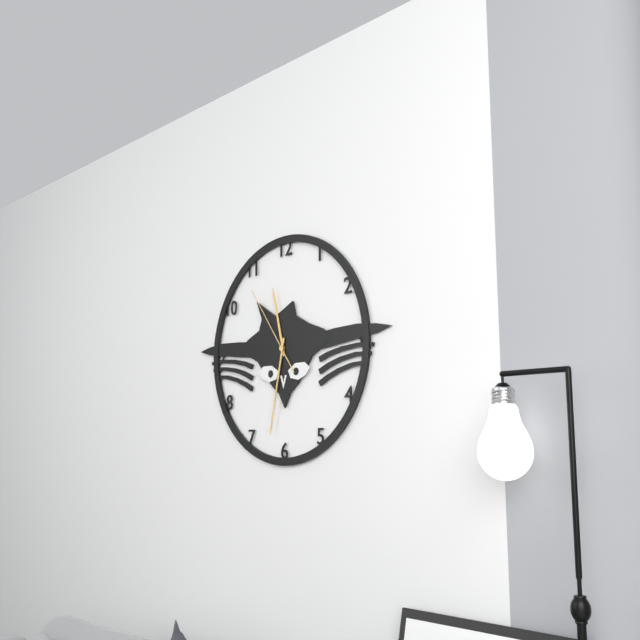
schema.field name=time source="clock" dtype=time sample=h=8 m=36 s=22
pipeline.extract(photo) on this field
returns h=11 m=32 s=54
